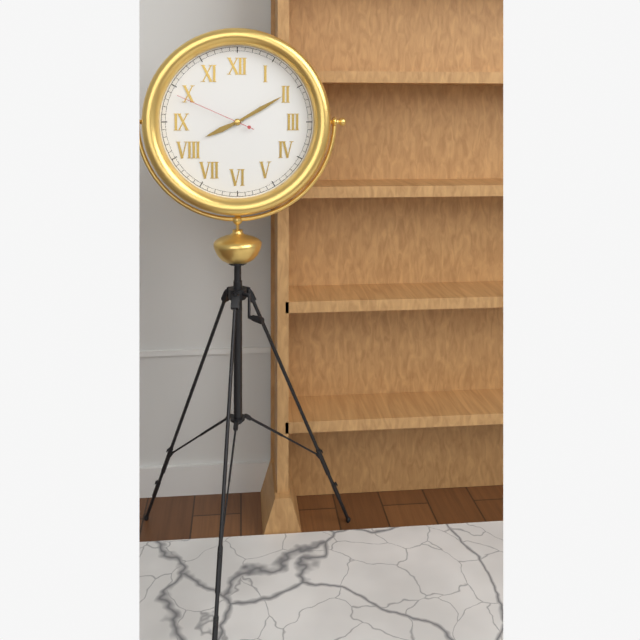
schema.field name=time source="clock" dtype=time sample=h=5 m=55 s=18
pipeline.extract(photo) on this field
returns h=8 m=10 s=49
